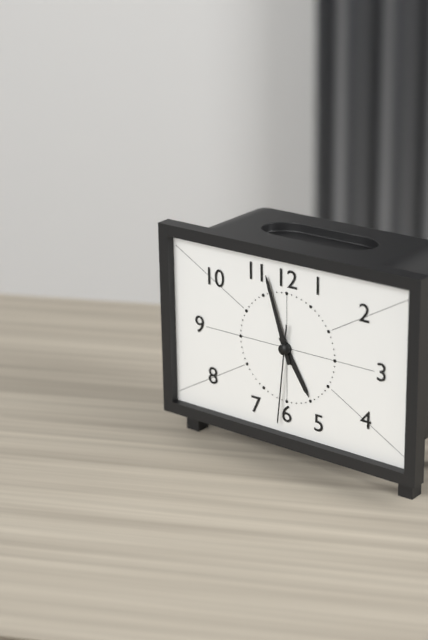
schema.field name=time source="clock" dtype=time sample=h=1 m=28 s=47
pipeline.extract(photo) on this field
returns h=4 m=57 s=31
